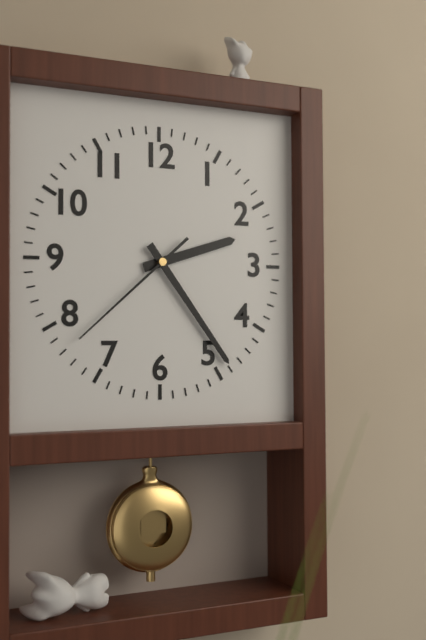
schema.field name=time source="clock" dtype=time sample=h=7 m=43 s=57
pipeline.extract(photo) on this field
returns h=2 m=24 s=38
